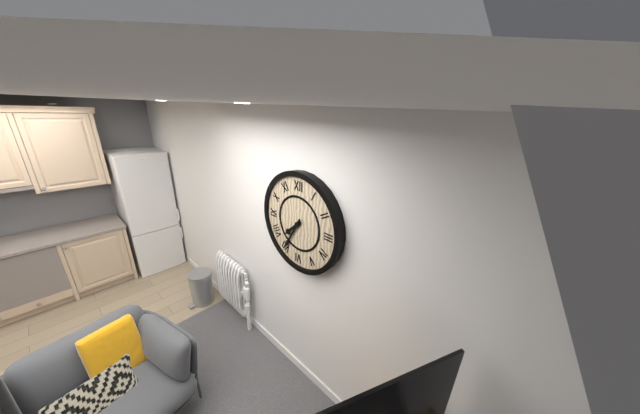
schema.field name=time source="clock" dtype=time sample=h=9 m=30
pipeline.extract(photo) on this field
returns h=7 m=35
